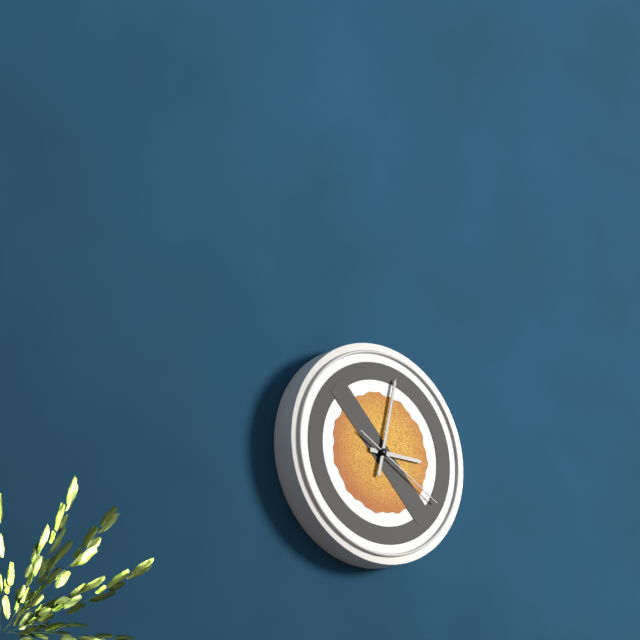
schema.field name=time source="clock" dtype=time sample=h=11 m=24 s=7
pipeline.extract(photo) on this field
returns h=3 m=2 s=20
